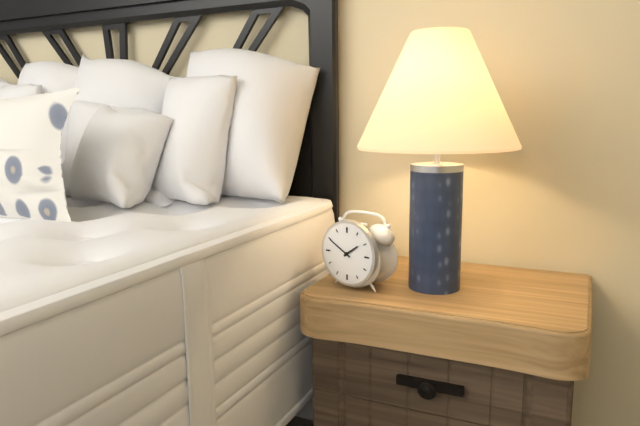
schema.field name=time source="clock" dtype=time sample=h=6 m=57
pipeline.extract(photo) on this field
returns h=1 m=50
